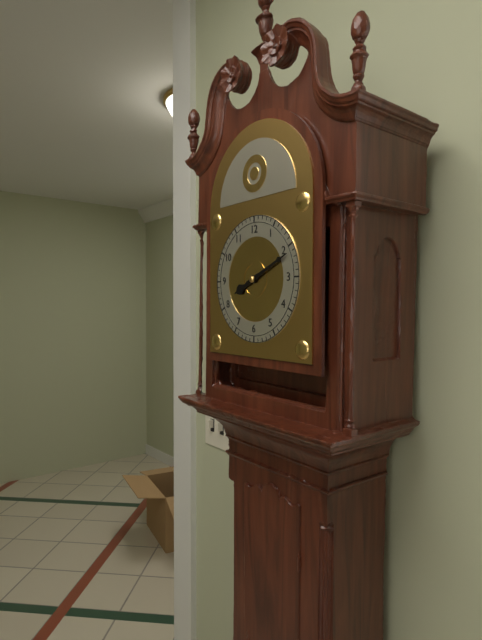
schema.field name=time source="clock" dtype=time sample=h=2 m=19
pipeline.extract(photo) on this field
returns h=8 m=11
